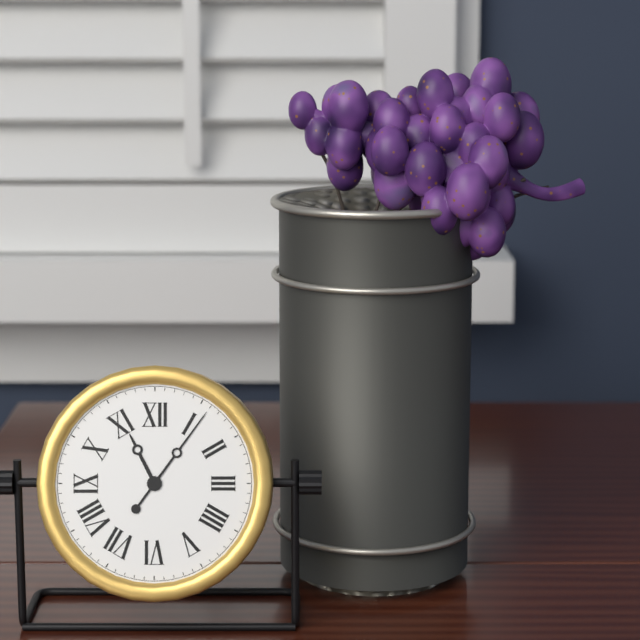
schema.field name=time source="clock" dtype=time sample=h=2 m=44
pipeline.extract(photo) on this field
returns h=11 m=6
